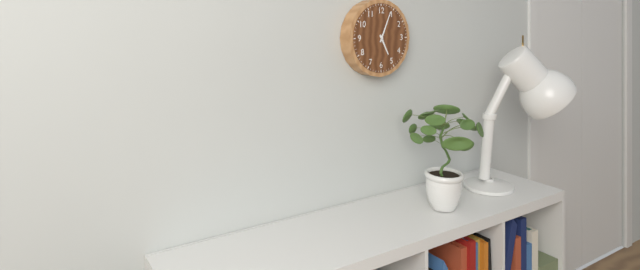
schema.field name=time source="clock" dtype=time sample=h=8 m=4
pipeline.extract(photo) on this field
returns h=5 m=4
